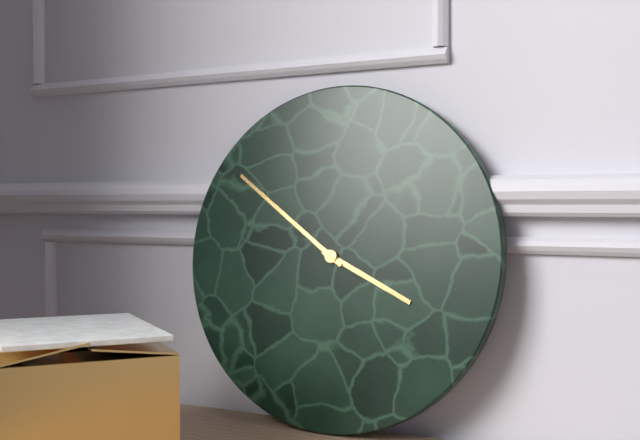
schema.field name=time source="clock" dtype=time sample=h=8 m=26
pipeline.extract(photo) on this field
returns h=3 m=51
